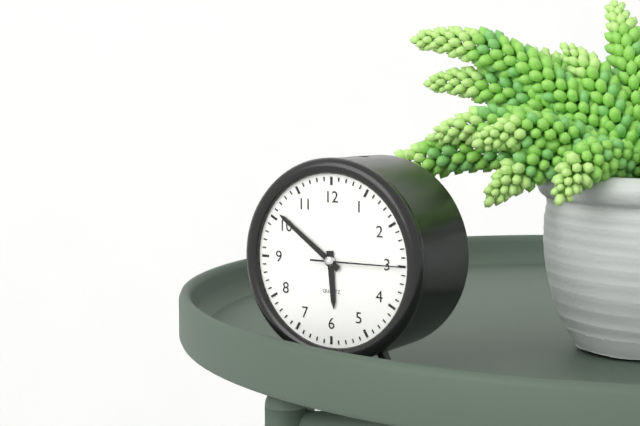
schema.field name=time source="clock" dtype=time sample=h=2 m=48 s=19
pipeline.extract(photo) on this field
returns h=5 m=51 s=15
